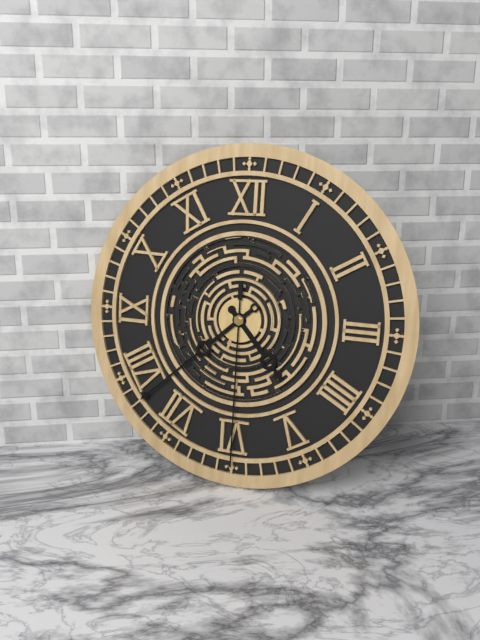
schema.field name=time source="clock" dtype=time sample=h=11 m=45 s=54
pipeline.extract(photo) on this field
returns h=4 m=38 s=30
